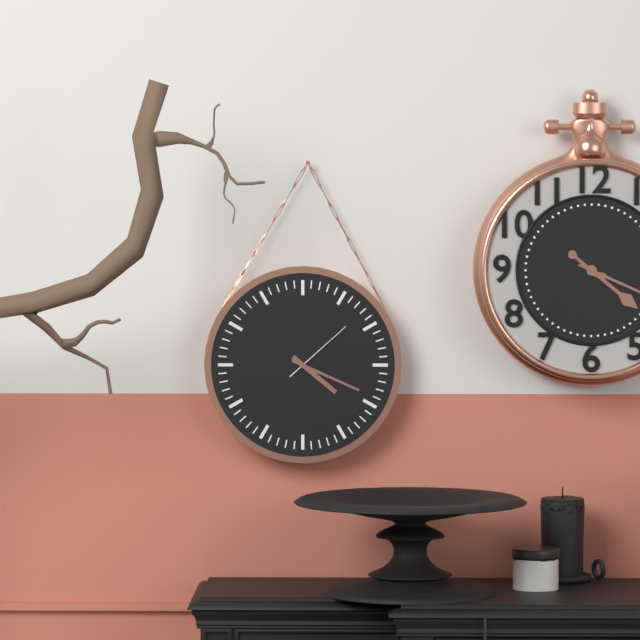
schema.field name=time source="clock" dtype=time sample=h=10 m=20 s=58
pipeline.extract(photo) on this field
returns h=4 m=19 s=8
